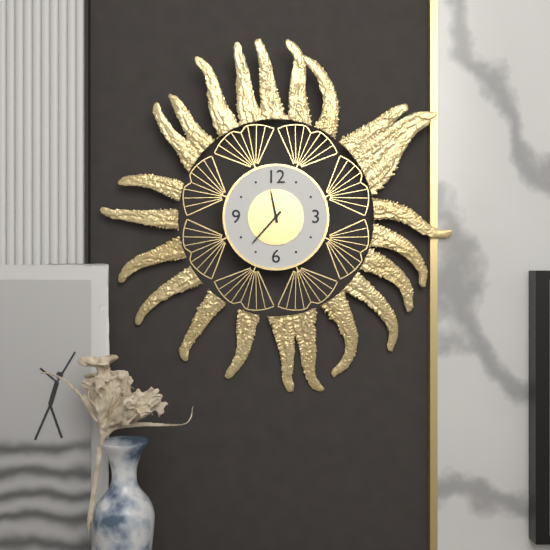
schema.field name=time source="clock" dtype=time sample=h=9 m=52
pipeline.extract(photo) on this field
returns h=11 m=37
